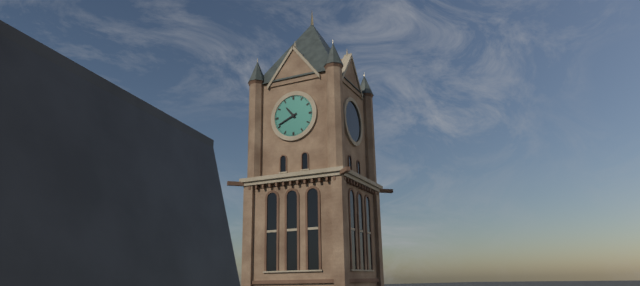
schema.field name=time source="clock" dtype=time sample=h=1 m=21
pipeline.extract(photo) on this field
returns h=10 m=41
